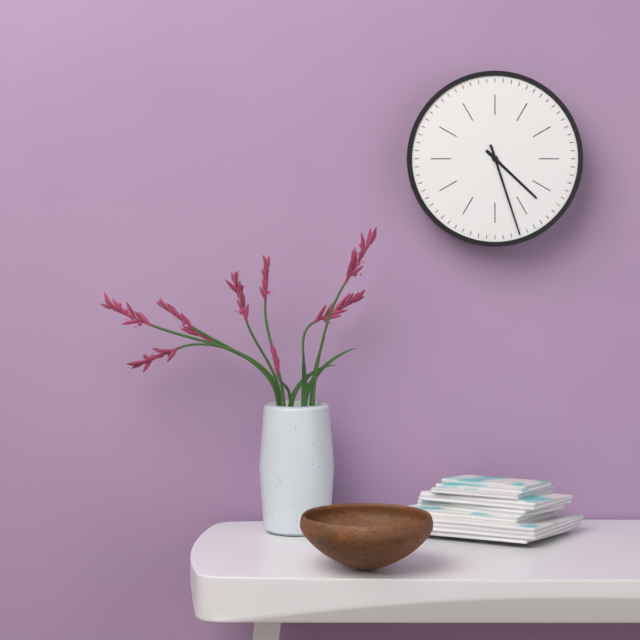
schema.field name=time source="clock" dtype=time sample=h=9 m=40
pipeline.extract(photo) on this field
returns h=4 m=27
